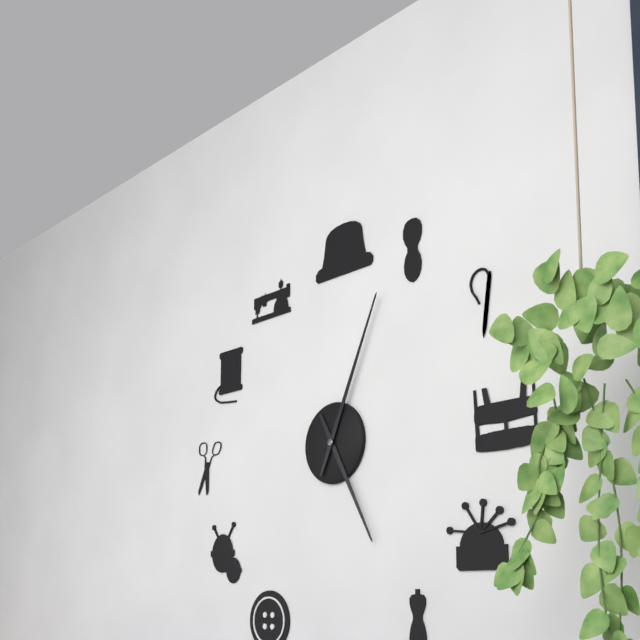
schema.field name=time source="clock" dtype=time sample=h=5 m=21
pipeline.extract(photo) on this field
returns h=5 m=4
